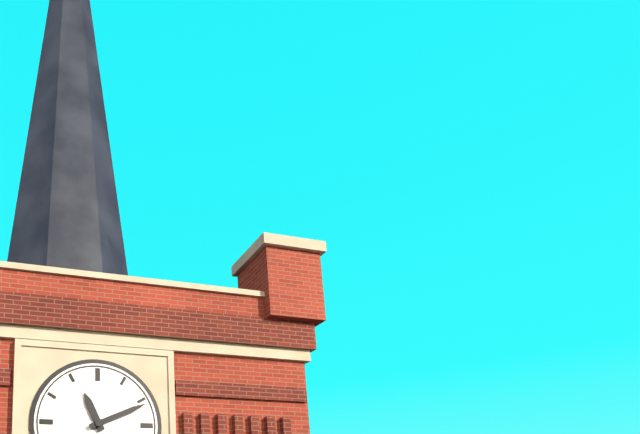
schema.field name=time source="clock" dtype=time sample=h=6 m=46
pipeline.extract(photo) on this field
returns h=11 m=11
